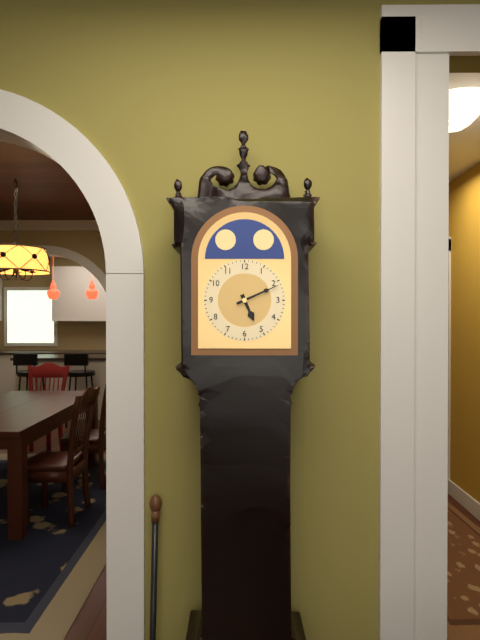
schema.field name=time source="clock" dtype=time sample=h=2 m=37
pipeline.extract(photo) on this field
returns h=5 m=11
